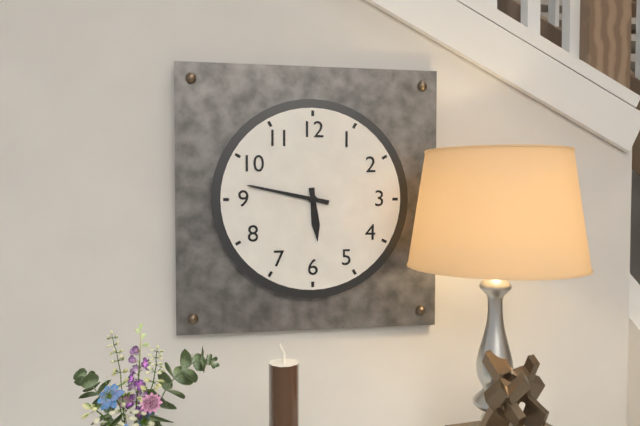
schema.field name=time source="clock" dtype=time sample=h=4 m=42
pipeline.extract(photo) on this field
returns h=5 m=47
